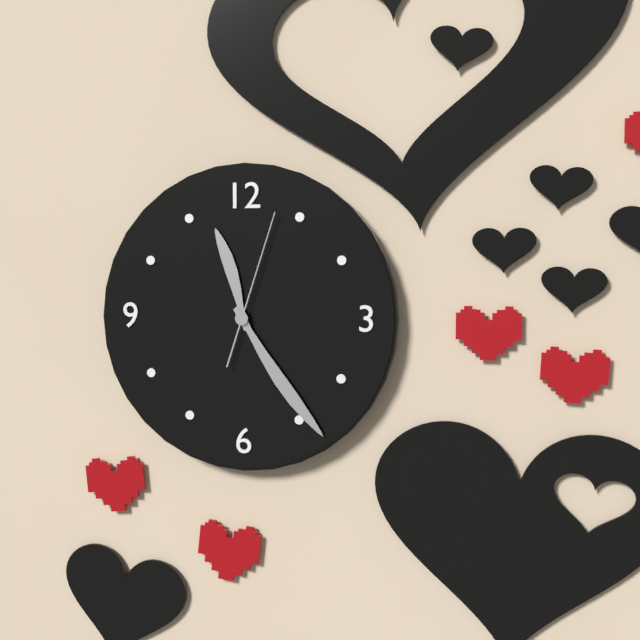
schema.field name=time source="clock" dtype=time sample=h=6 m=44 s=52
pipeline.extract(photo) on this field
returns h=11 m=24 s=3
